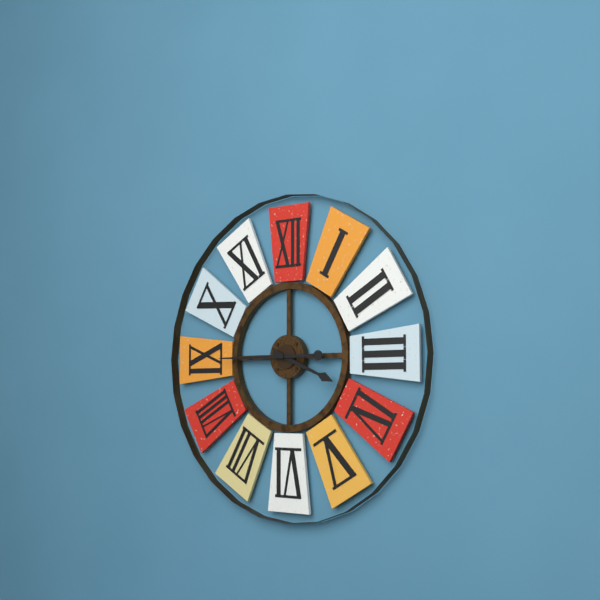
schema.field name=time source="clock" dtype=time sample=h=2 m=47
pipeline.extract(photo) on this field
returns h=3 m=45
